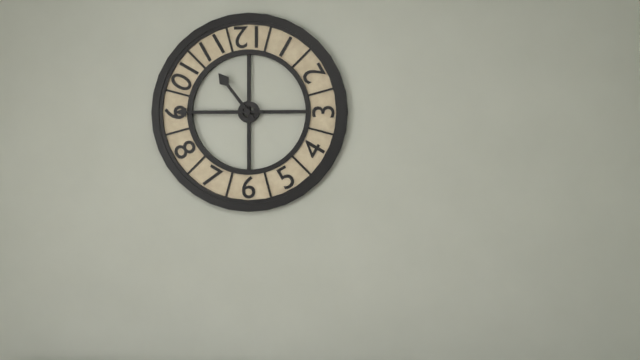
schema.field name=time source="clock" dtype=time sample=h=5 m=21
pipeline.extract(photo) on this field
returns h=10 m=45
